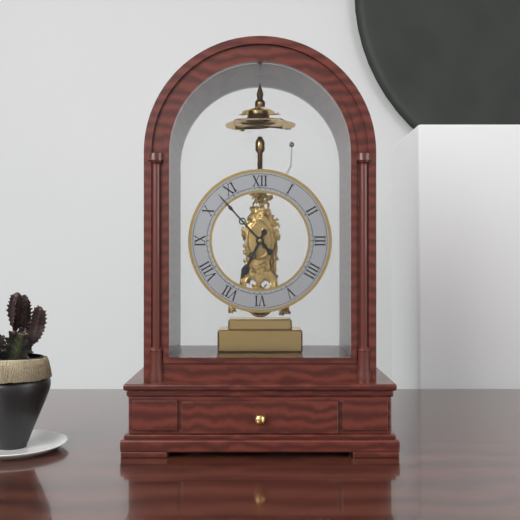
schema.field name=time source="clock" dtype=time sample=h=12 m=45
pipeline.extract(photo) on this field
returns h=6 m=53
